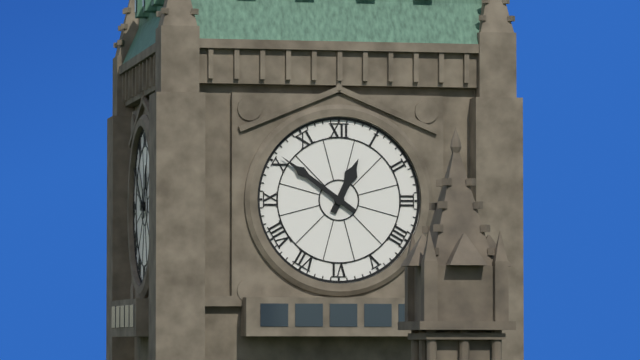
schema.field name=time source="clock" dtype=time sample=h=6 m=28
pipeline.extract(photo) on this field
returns h=12 m=51
